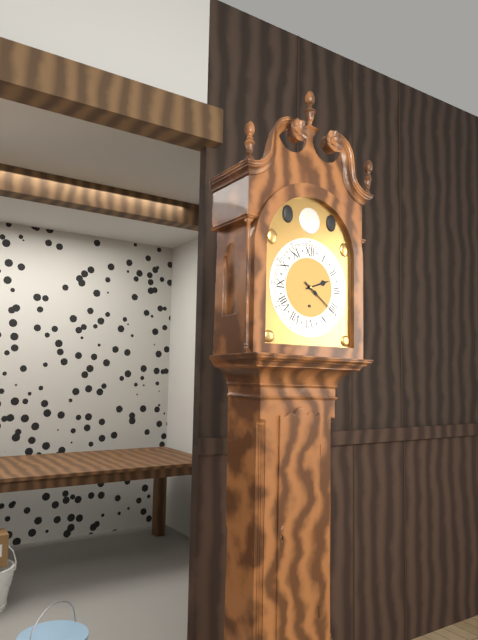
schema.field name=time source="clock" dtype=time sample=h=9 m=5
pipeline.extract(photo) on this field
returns h=2 m=21
